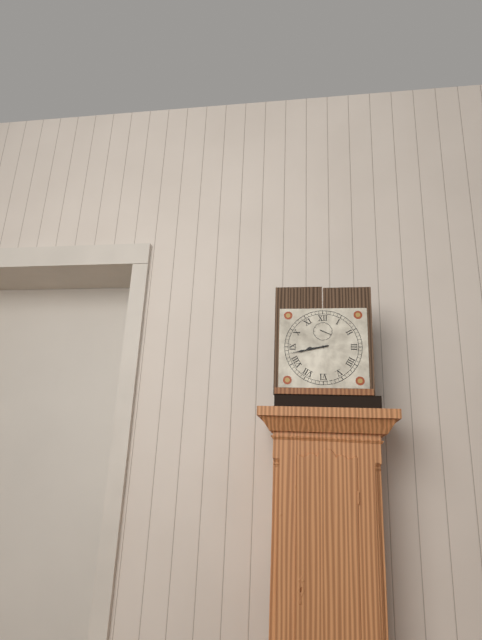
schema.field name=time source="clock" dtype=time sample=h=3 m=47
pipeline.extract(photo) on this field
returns h=8 m=43
